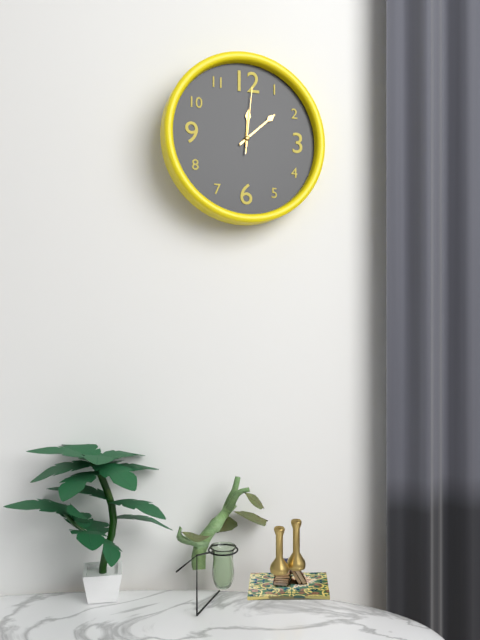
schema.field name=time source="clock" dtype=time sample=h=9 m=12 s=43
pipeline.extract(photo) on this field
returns h=12 m=8 s=1
